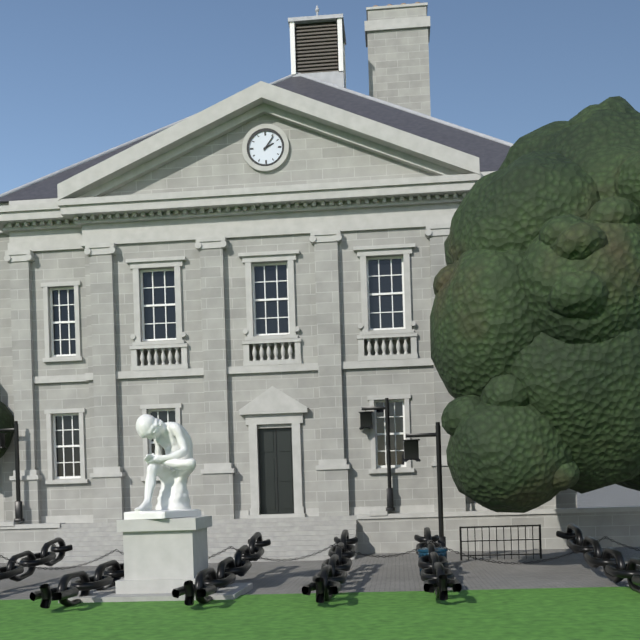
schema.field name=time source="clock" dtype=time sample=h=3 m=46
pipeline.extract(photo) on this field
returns h=2 m=6
